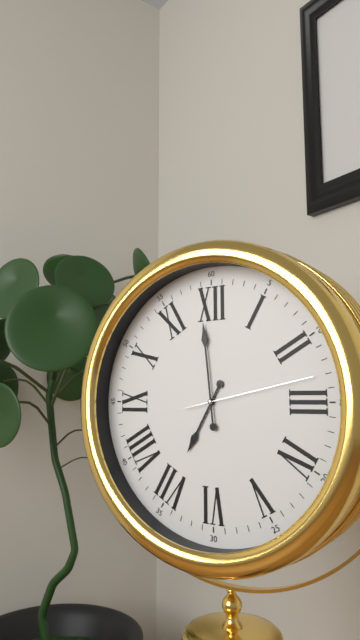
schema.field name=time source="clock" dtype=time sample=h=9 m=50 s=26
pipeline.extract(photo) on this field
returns h=6 m=59 s=13
